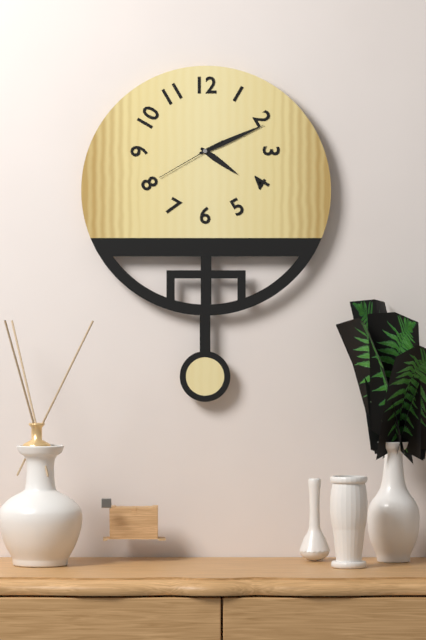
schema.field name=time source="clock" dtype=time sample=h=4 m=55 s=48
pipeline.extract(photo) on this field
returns h=4 m=11 s=40
